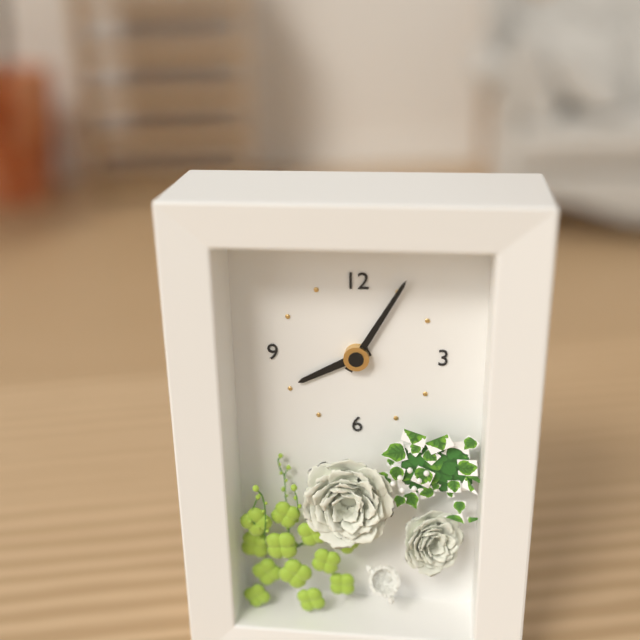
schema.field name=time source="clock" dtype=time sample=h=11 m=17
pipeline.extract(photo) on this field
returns h=8 m=5
